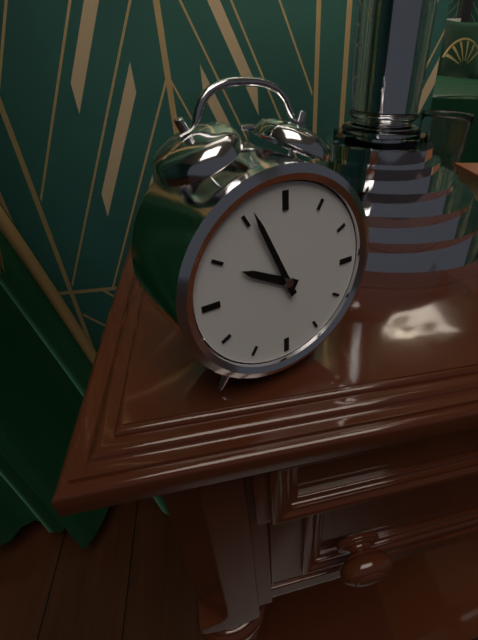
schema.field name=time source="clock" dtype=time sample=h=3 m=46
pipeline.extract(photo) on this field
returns h=9 m=56
